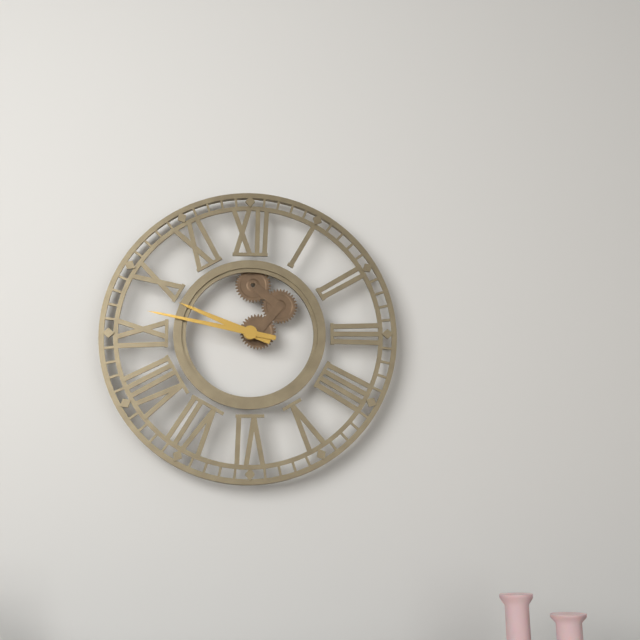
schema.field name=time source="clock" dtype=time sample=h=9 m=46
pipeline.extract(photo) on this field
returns h=9 m=47
